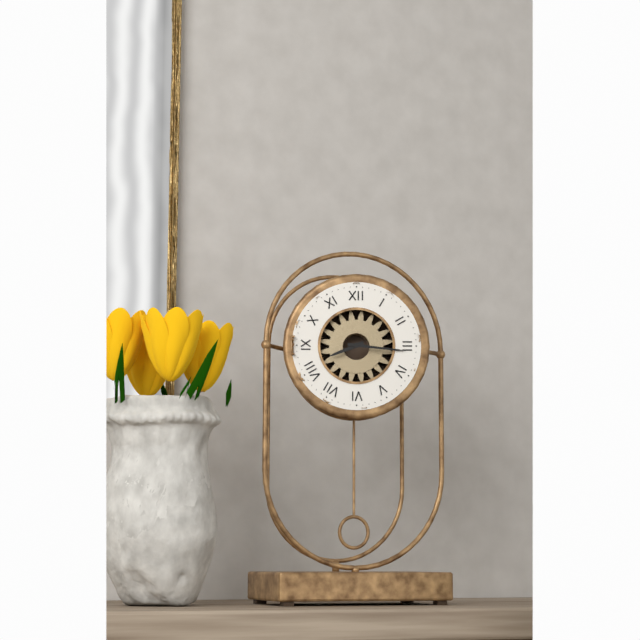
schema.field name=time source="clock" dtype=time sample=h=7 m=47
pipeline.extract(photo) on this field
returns h=8 m=16
